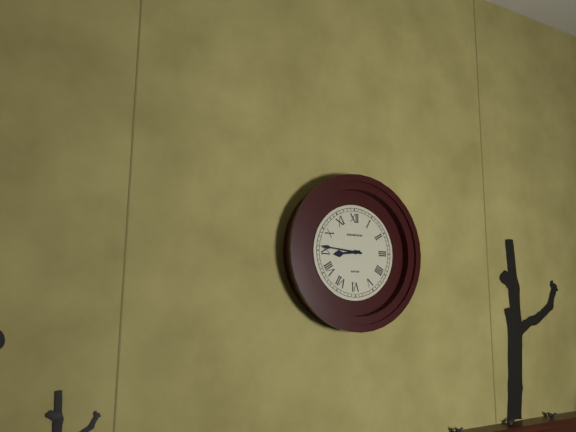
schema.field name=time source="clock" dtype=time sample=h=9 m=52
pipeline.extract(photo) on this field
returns h=8 m=46
